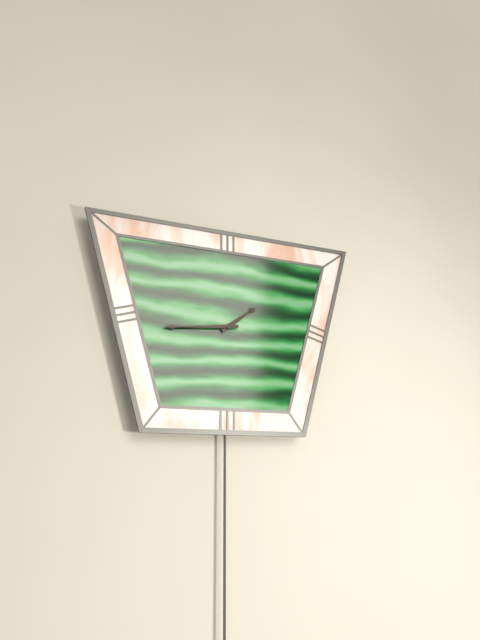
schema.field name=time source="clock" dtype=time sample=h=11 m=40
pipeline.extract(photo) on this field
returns h=1 m=44
